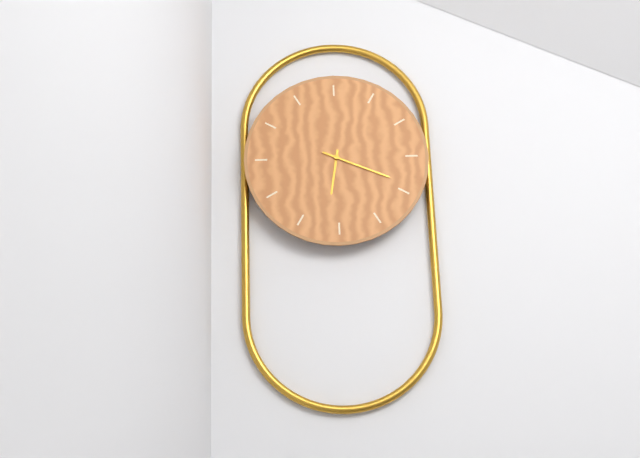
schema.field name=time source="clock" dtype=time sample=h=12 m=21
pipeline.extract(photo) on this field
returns h=6 m=19
